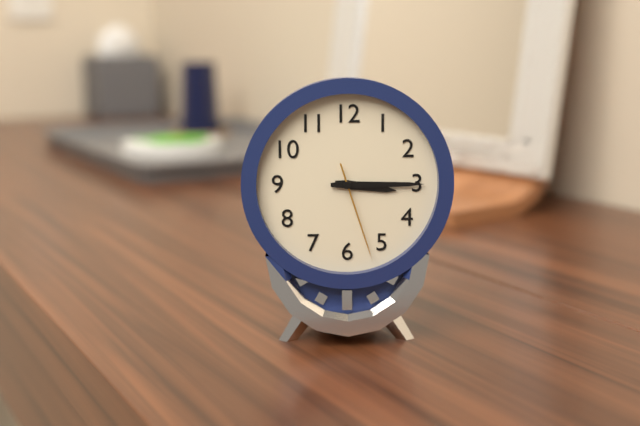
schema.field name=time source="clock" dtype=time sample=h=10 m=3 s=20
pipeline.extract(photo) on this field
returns h=3 m=15 s=27
